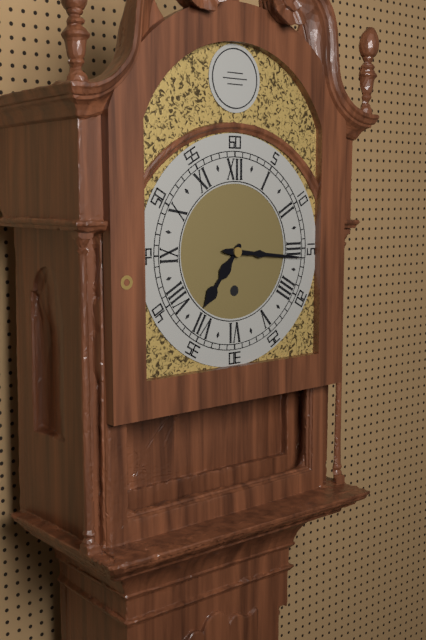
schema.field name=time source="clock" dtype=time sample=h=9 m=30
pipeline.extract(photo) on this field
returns h=7 m=16
